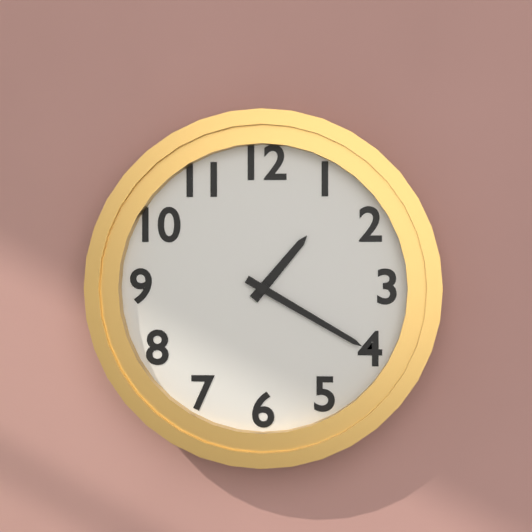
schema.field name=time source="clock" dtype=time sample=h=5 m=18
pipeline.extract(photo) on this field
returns h=1 m=20
